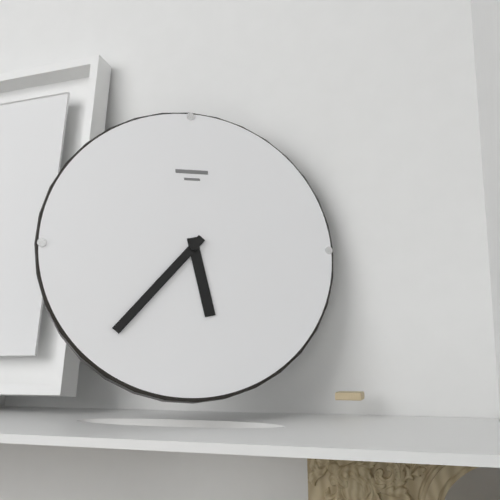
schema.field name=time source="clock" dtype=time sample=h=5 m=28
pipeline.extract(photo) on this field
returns h=5 m=37
